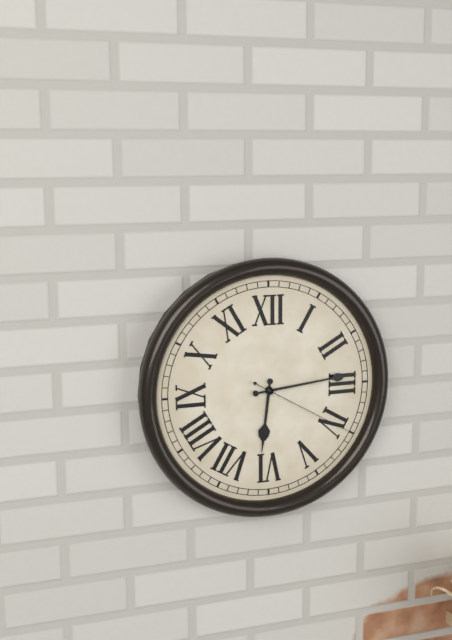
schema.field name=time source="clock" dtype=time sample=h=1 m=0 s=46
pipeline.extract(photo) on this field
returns h=6 m=14 s=20
